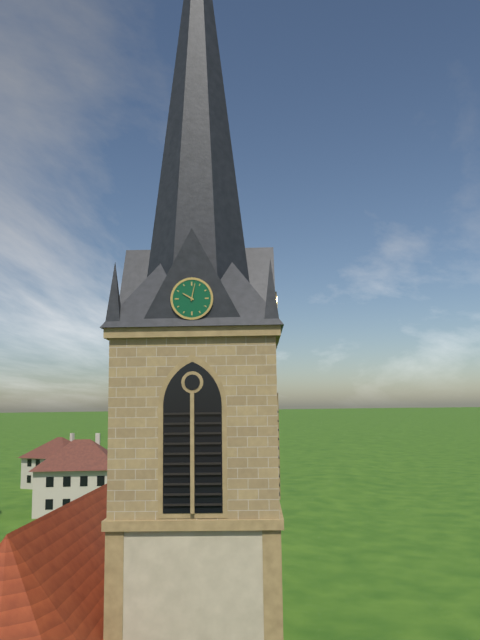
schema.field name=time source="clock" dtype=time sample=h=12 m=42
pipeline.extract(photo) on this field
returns h=10 m=2
